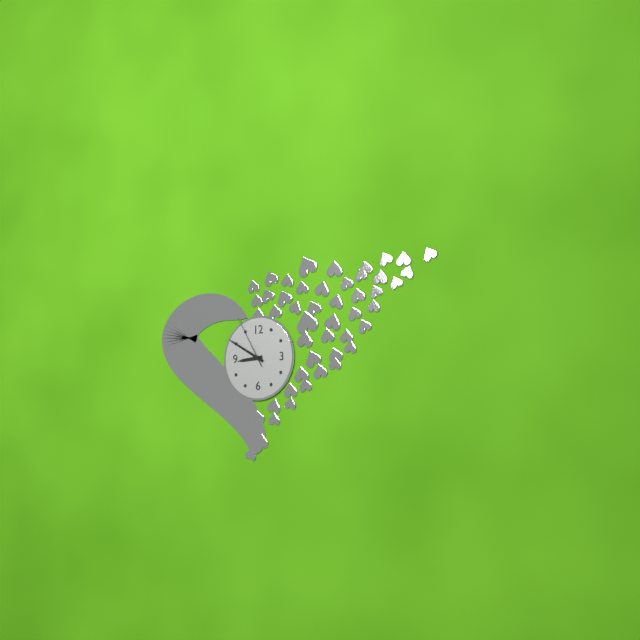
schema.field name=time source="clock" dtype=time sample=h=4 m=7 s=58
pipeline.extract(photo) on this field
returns h=8 m=50 s=55
